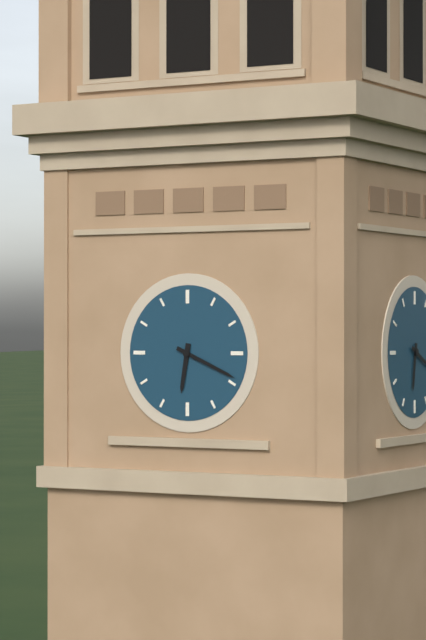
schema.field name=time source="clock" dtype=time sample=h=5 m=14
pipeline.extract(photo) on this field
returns h=6 m=19
